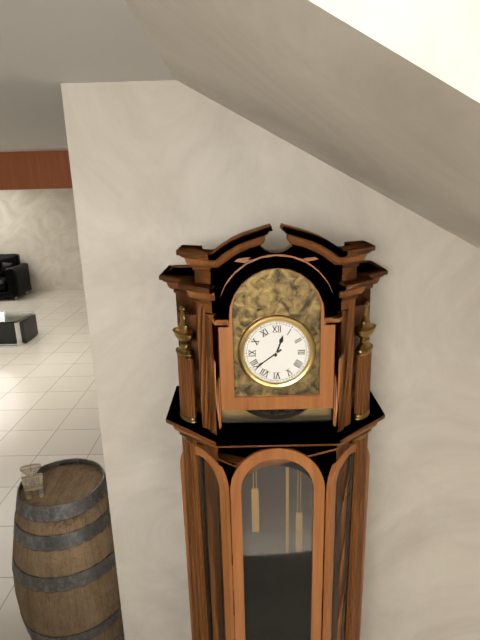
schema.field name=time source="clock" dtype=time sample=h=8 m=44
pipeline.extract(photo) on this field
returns h=12 m=39
